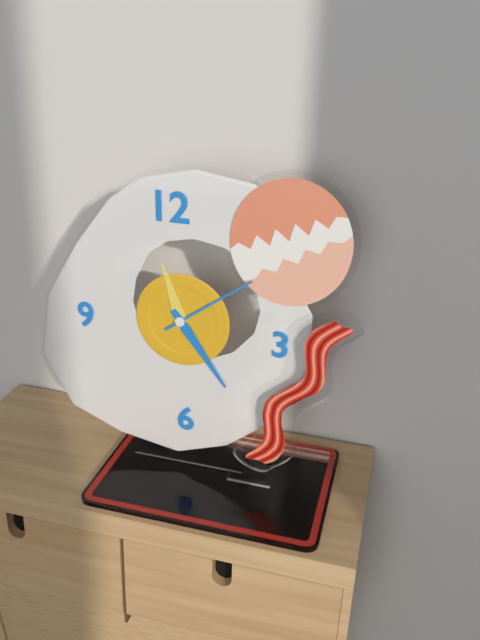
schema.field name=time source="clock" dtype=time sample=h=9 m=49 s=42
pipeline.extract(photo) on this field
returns h=11 m=24 s=9
